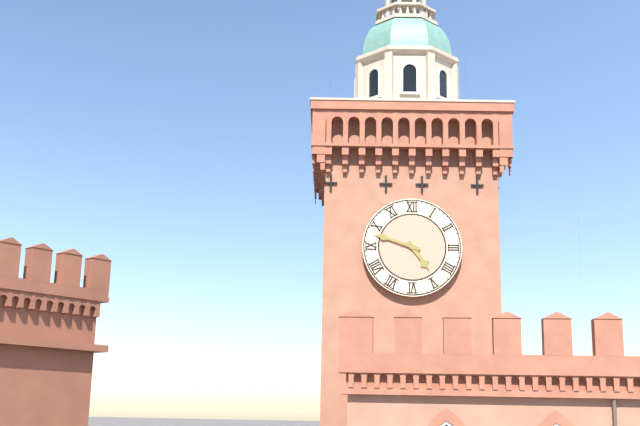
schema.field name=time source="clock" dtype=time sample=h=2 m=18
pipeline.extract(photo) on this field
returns h=4 m=48
